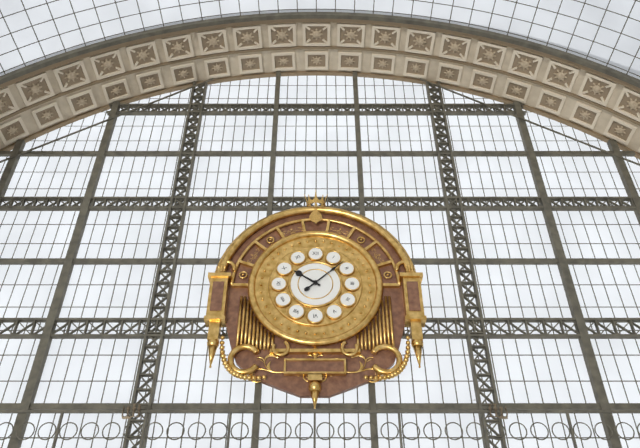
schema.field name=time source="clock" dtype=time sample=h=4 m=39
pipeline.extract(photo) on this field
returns h=10 m=8
